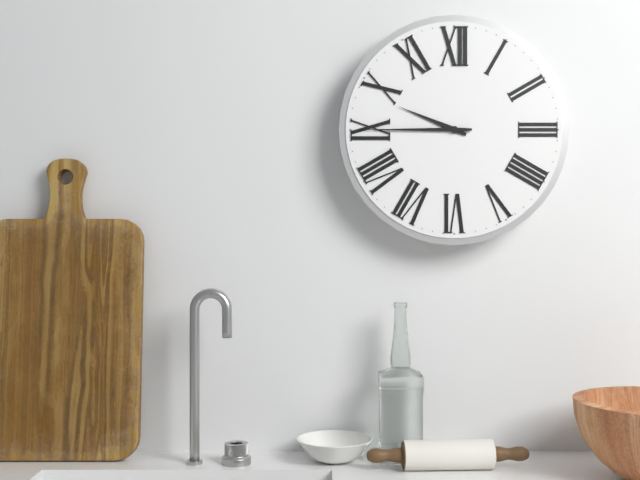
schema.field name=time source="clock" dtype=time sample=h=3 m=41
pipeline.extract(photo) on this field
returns h=9 m=45
